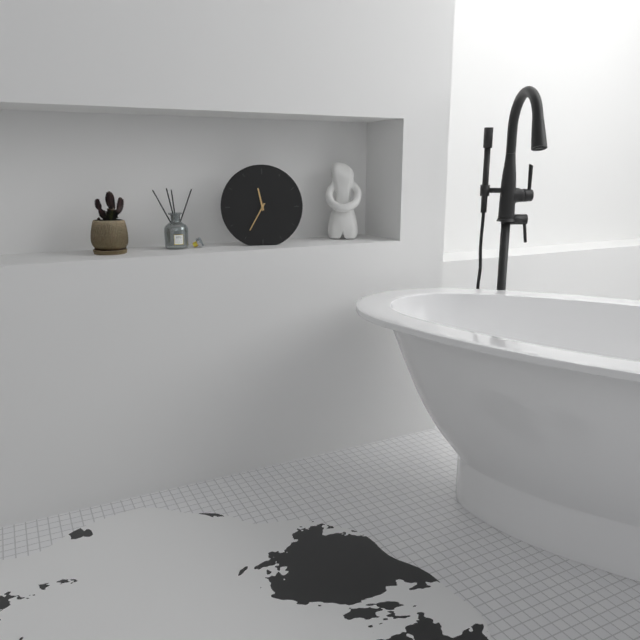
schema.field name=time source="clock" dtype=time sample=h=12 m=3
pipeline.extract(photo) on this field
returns h=11 m=35
